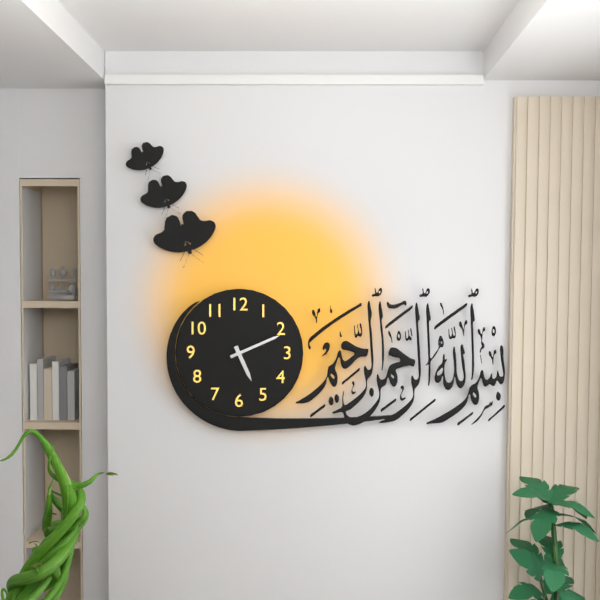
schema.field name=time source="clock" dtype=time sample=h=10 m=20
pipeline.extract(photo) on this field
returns h=5 m=11
